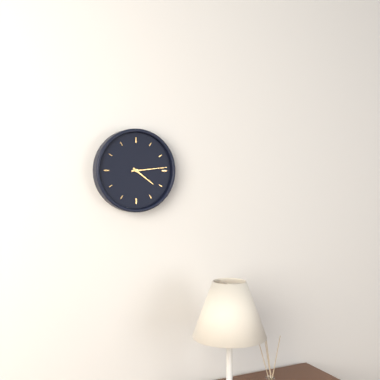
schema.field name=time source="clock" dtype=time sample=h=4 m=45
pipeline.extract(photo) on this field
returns h=4 m=14
